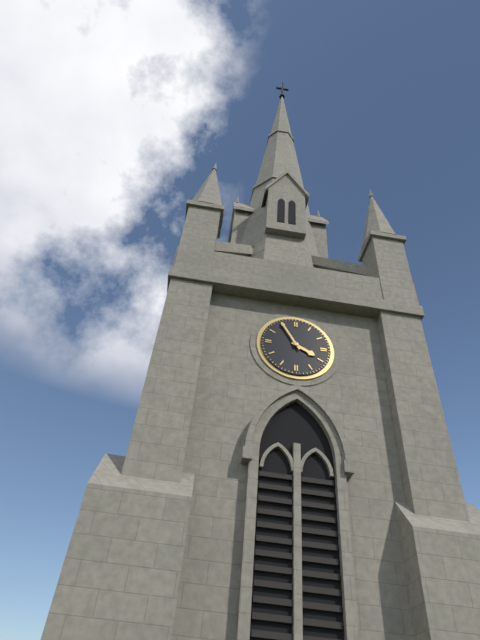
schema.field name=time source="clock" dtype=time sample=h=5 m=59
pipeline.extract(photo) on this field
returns h=3 m=55
